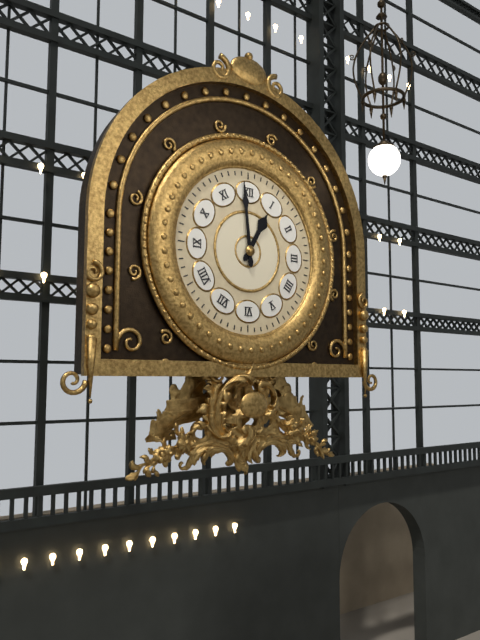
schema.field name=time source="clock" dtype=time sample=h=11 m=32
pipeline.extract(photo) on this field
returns h=12 m=59
